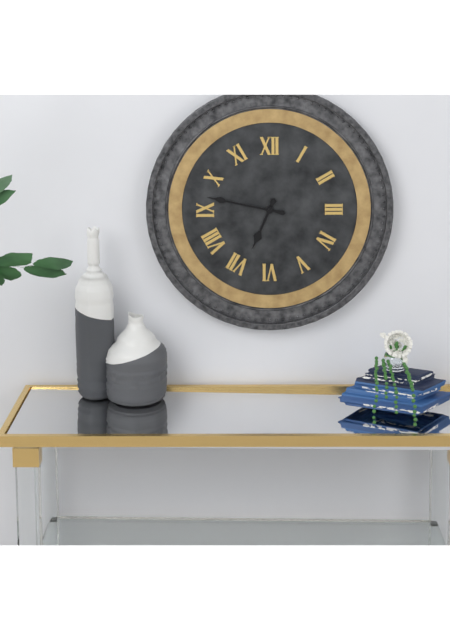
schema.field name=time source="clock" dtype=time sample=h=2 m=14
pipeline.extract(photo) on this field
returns h=6 m=47
